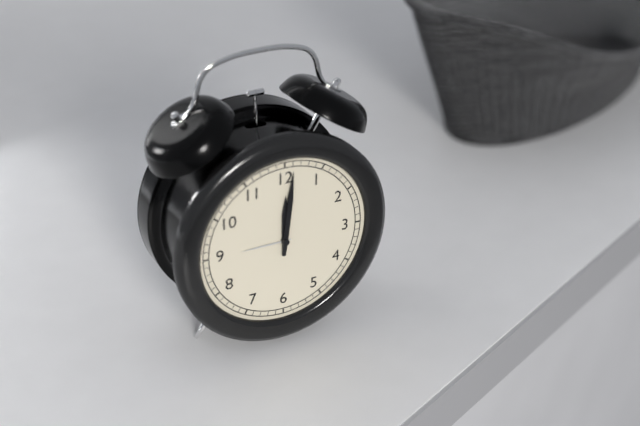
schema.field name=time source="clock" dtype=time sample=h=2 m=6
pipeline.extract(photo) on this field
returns h=12 m=1
